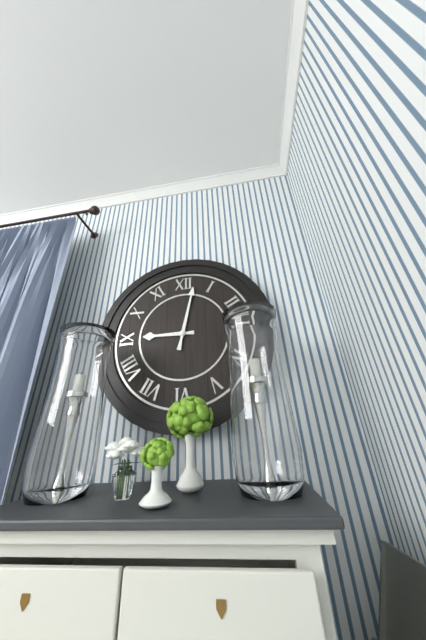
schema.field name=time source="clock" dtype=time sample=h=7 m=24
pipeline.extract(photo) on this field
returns h=9 m=2
